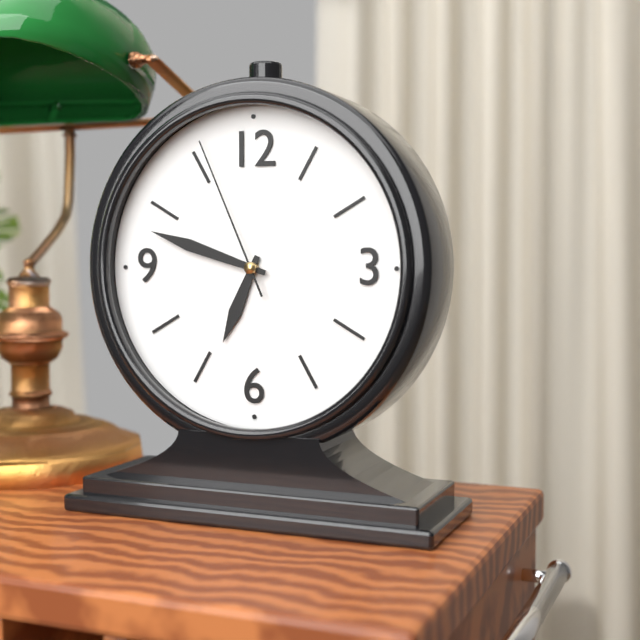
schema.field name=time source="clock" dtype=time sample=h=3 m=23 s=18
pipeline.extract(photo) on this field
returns h=6 m=48 s=56
